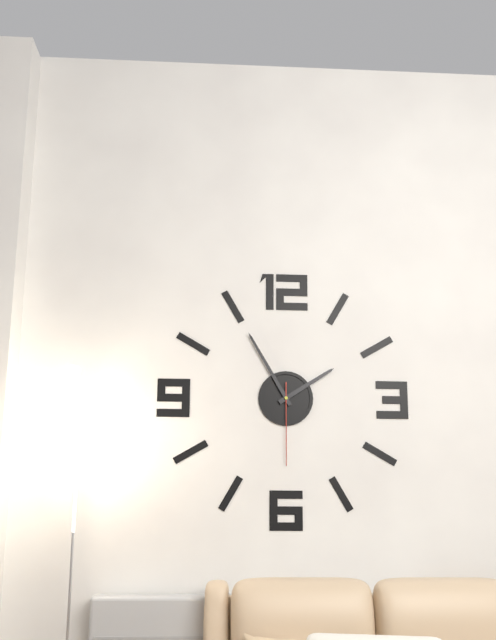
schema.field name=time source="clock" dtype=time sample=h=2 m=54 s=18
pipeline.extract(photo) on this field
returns h=1 m=55 s=30
